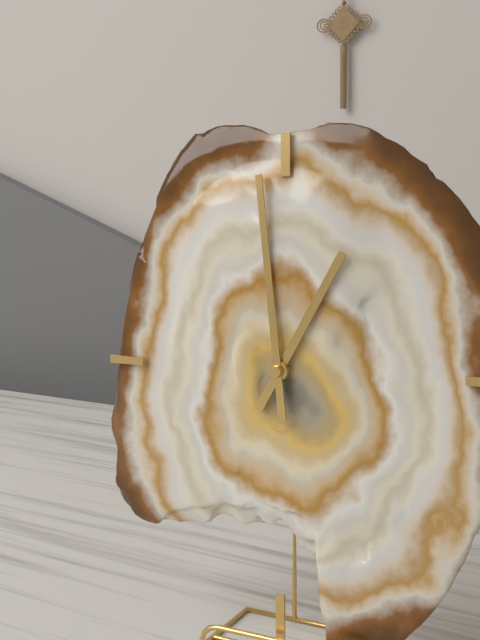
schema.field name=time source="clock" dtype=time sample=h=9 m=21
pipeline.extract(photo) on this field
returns h=12 m=59
